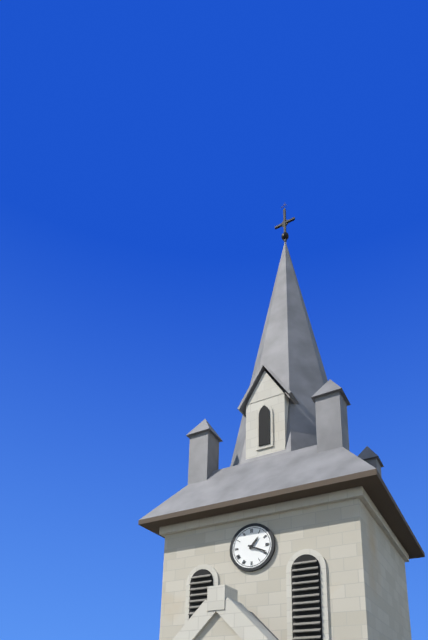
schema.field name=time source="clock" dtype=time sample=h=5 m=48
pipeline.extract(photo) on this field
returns h=1 m=19
